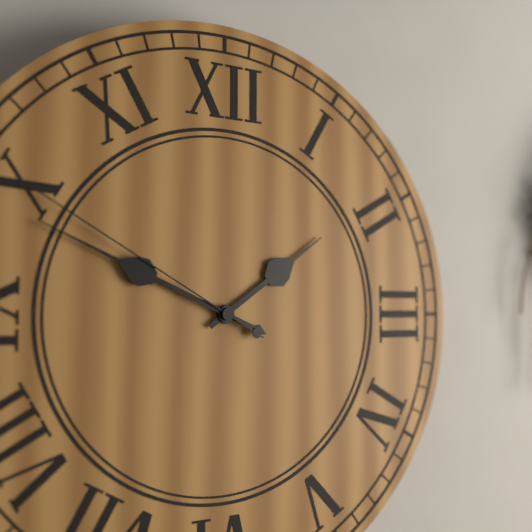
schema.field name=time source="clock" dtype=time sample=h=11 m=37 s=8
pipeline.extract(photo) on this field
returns h=1 m=49 s=50
